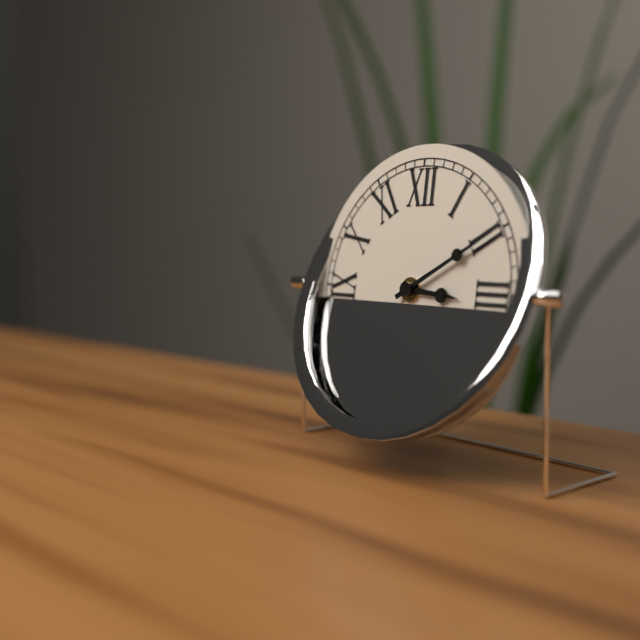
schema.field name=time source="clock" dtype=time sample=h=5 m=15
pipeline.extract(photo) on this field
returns h=3 m=10
